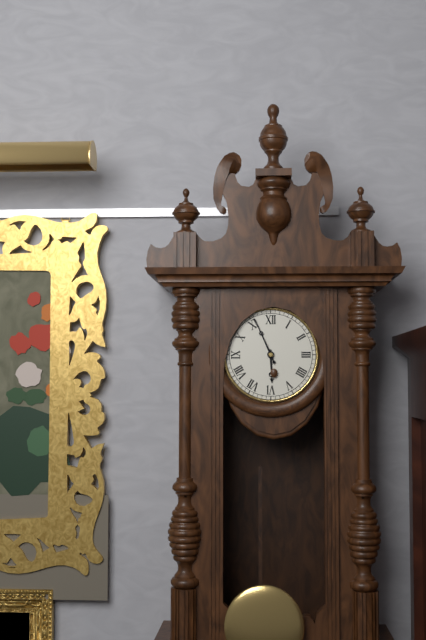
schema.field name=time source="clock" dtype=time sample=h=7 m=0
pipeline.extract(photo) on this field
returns h=5 m=56
